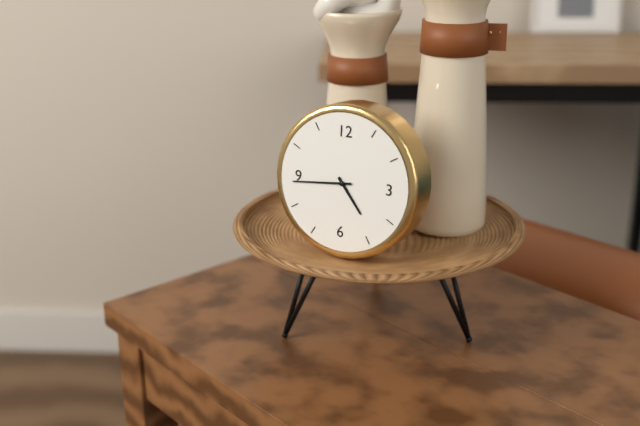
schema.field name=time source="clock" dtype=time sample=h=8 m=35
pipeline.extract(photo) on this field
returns h=4 m=44
